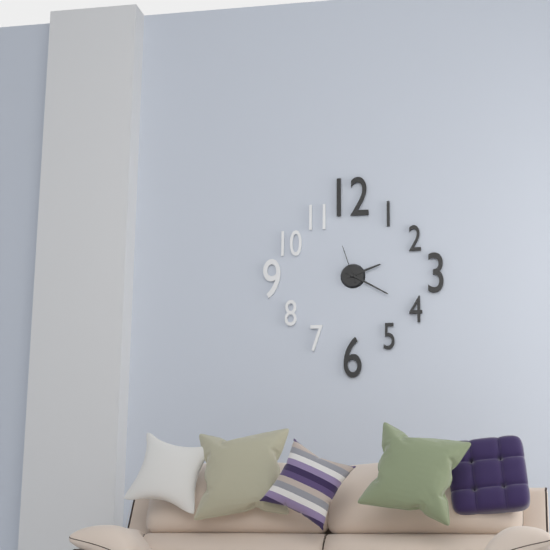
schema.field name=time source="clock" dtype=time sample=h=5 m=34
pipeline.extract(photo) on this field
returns h=2 m=20
